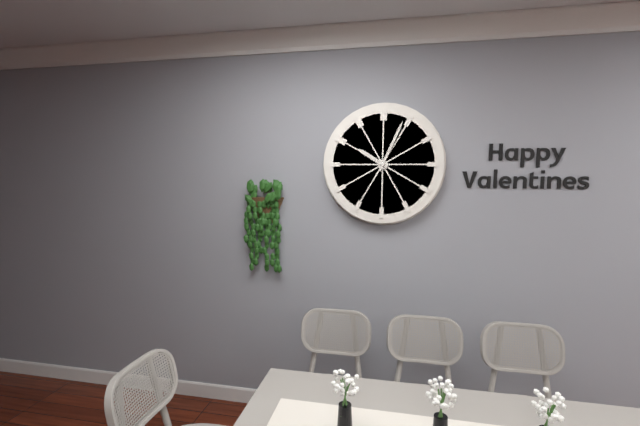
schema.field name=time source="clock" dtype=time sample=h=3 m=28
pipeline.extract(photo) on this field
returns h=10 m=4
